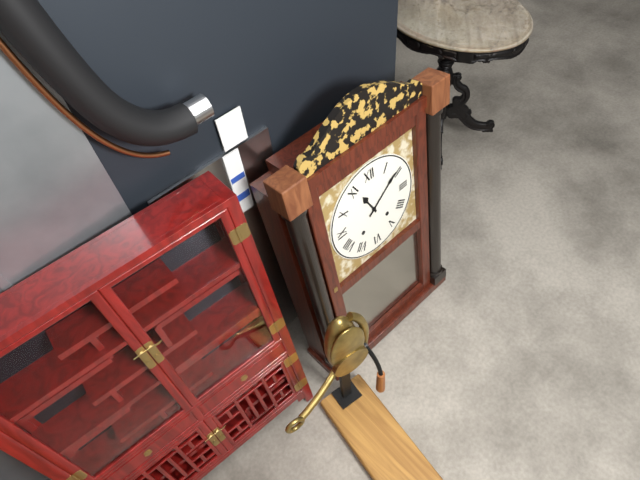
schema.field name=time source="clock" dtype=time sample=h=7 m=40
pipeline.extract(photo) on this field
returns h=11 m=9
